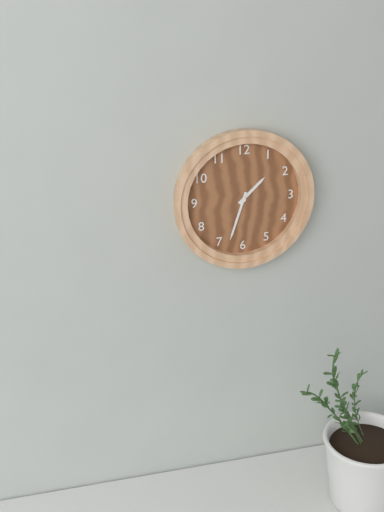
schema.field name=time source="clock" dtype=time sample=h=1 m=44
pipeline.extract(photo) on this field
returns h=1 m=33
